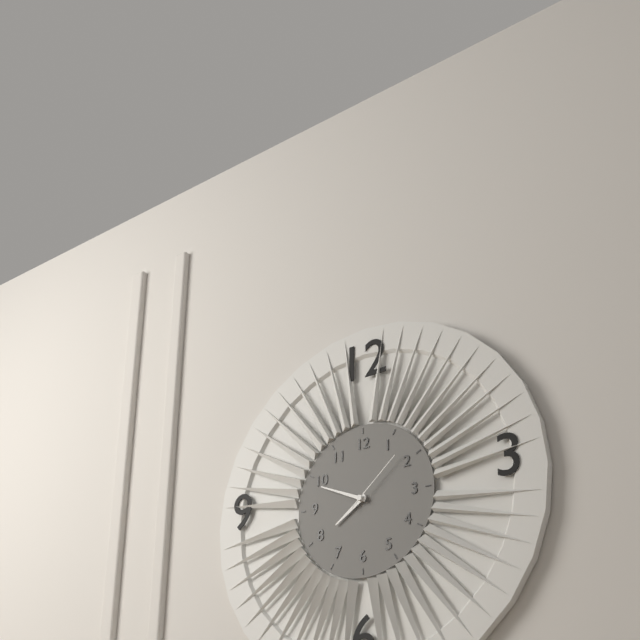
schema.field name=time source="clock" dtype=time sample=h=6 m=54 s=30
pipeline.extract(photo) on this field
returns h=7 m=49 s=8
